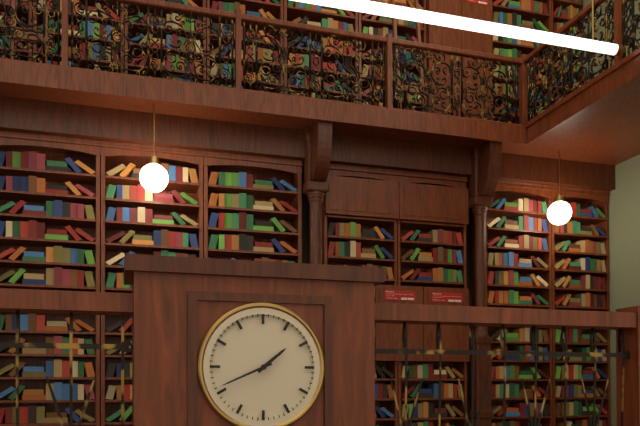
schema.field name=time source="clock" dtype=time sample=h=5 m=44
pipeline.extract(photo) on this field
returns h=1 m=41
